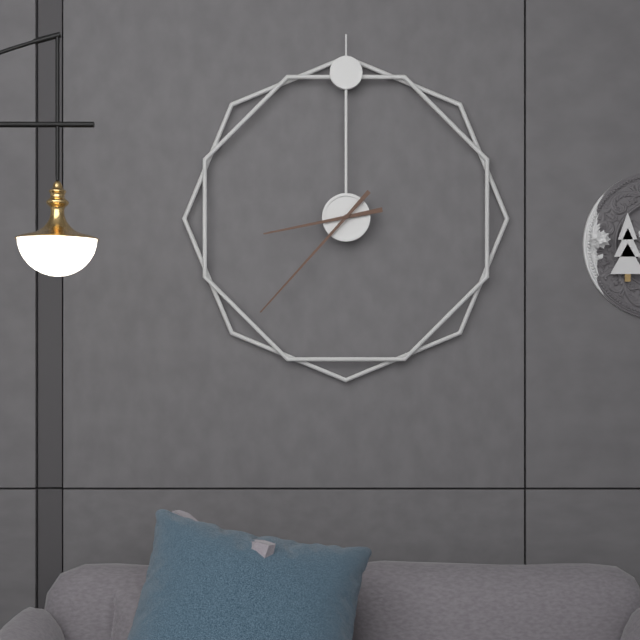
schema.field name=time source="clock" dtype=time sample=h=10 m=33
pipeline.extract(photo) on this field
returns h=8 m=37
